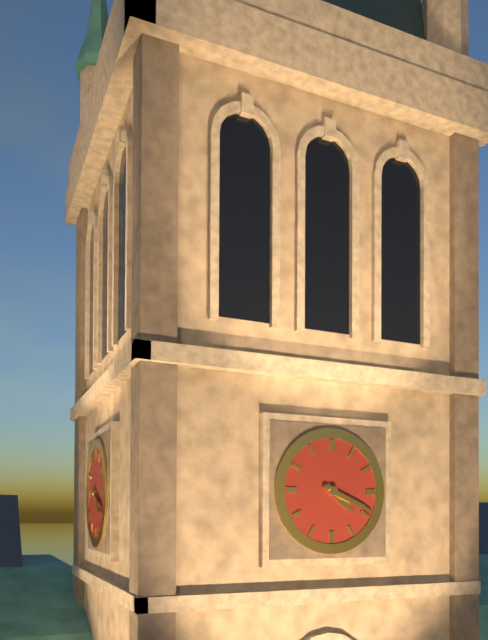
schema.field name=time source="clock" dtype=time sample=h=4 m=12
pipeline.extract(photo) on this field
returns h=4 m=19
